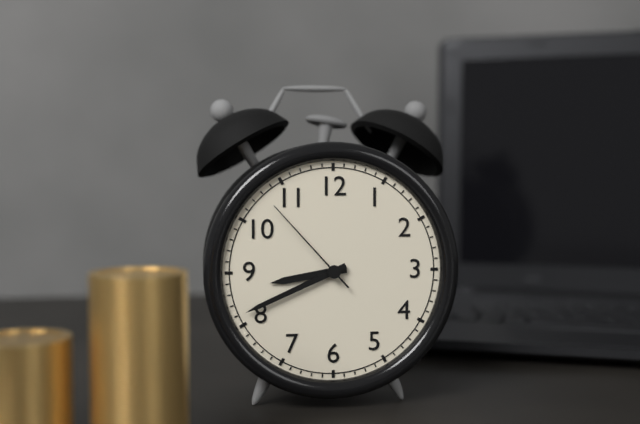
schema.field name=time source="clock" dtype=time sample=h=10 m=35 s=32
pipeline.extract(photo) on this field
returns h=8 m=41 s=53
